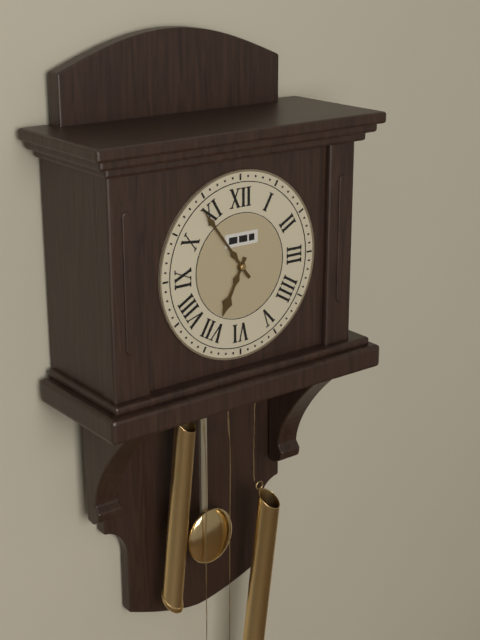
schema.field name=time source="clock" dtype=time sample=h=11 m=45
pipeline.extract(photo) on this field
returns h=6 m=54
